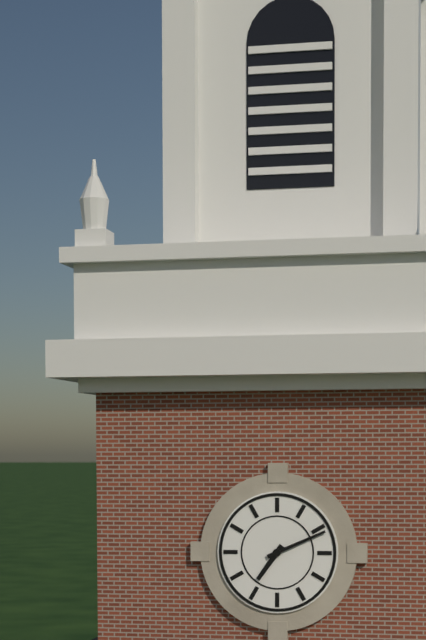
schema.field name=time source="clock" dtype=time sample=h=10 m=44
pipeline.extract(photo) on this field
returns h=7 m=11
